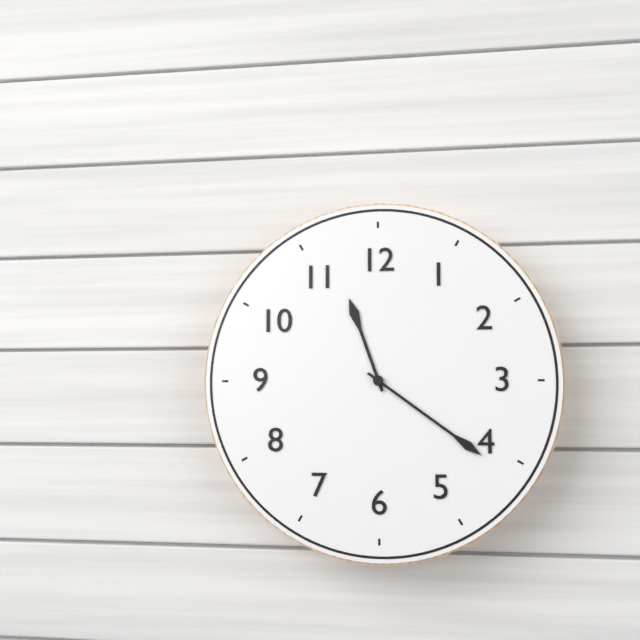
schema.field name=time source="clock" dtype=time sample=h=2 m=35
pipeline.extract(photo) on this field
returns h=11 m=21
